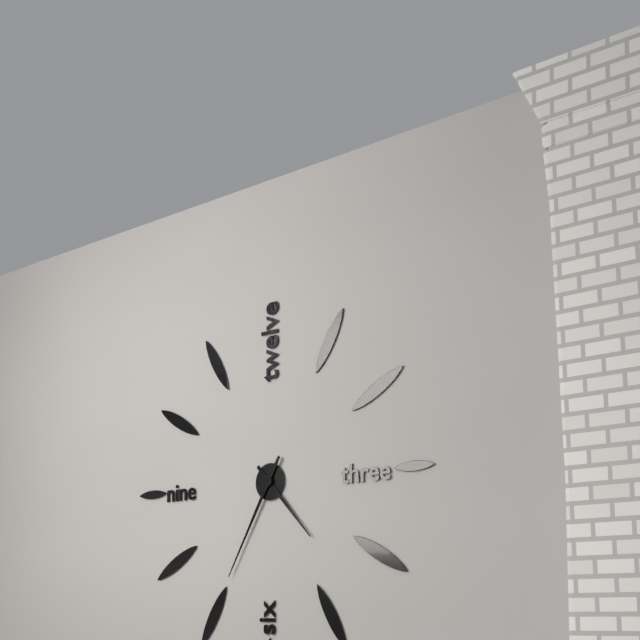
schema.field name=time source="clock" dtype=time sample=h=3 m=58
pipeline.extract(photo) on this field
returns h=4 m=35
